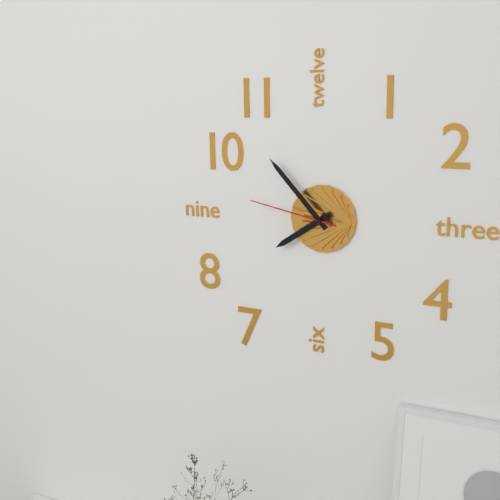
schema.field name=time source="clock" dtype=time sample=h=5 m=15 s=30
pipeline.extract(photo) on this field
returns h=7 m=53 s=47
